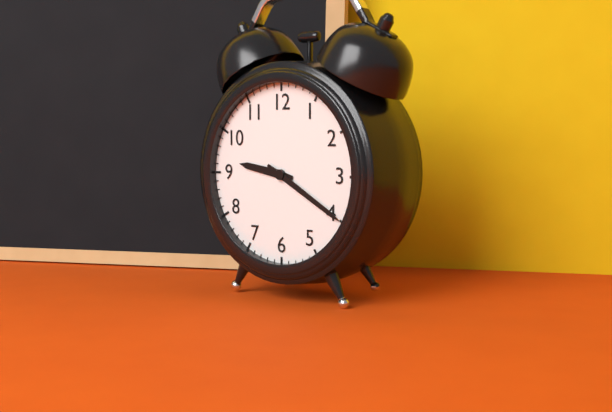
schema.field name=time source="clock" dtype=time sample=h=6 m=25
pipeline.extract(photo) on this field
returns h=9 m=20
